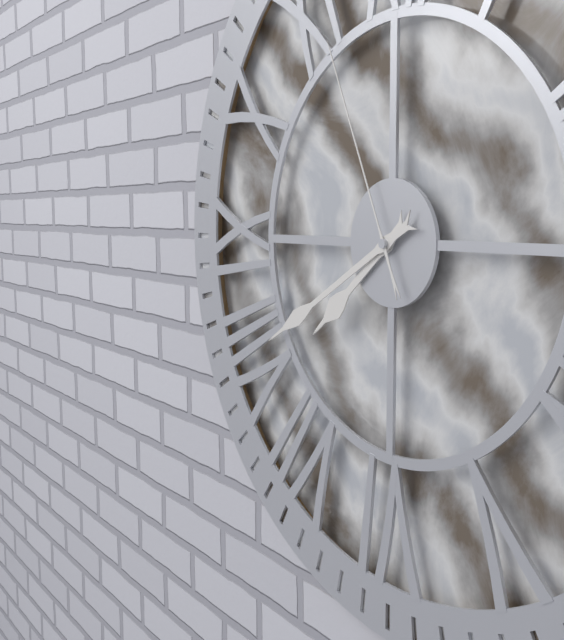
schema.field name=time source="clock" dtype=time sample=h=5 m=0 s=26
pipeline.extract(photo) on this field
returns h=7 m=40 s=56
